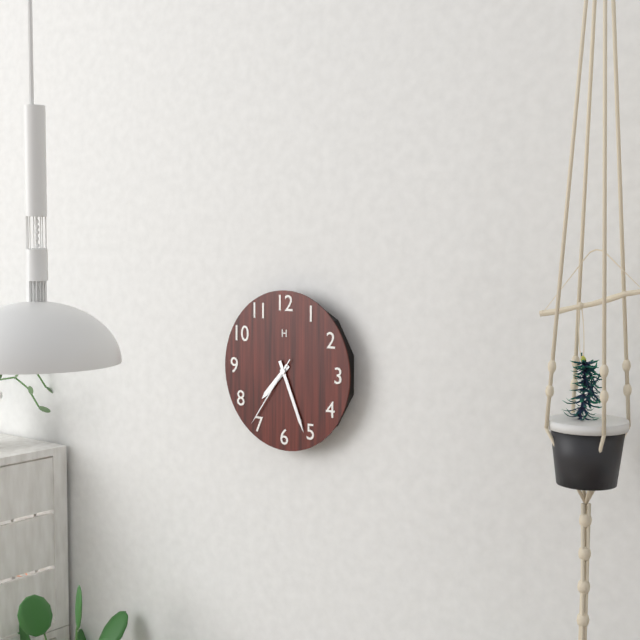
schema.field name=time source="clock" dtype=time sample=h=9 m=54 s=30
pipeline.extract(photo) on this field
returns h=7 m=26 s=36
